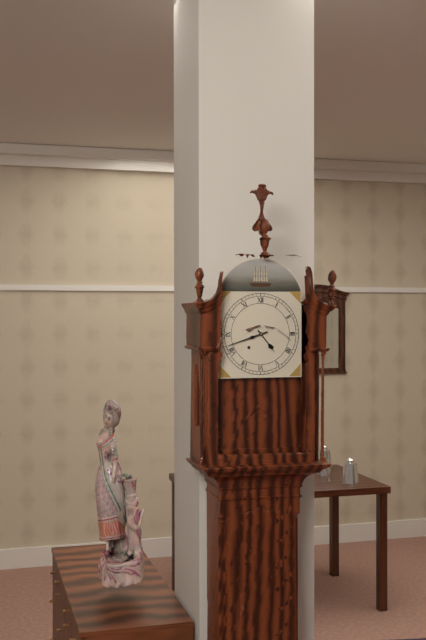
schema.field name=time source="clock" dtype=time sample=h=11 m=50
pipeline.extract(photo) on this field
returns h=4 m=42
